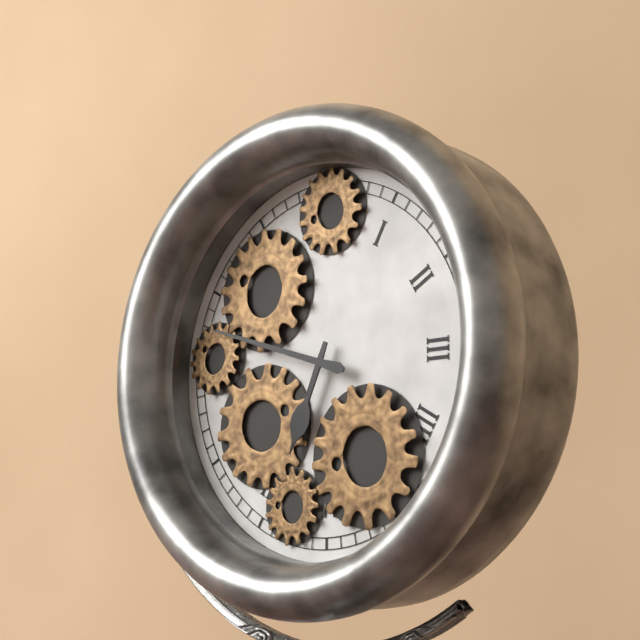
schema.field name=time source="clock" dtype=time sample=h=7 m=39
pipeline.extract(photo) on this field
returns h=6 m=48
